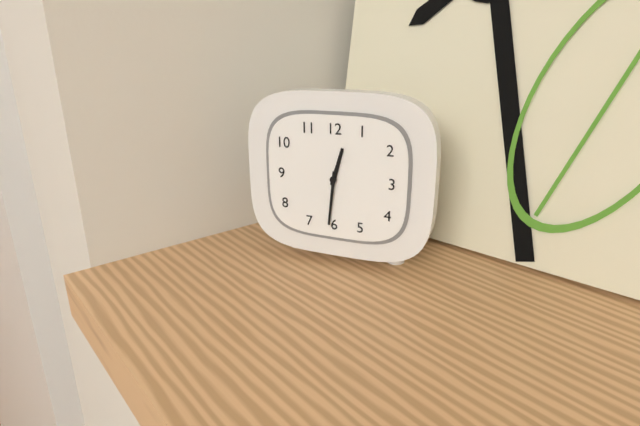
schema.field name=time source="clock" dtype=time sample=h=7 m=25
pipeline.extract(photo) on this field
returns h=12 m=31
